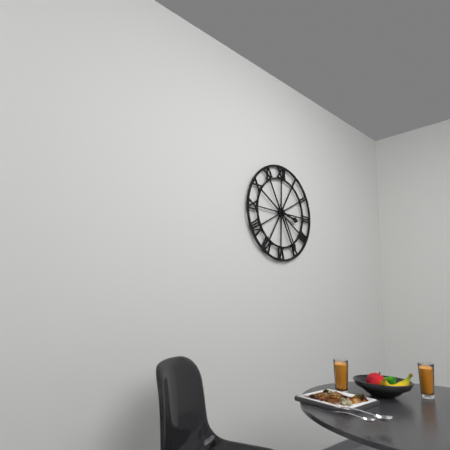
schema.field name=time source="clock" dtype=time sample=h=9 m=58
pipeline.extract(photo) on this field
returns h=3 m=25
